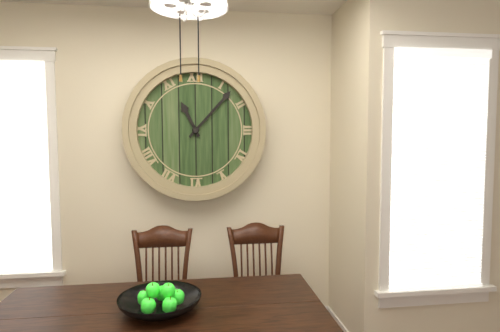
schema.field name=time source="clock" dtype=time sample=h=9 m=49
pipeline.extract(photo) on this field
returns h=11 m=7
